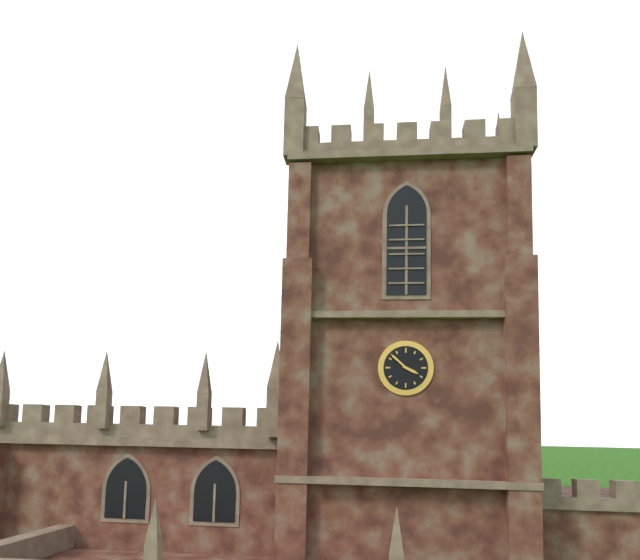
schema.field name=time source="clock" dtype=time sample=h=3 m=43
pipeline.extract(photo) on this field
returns h=3 m=52
